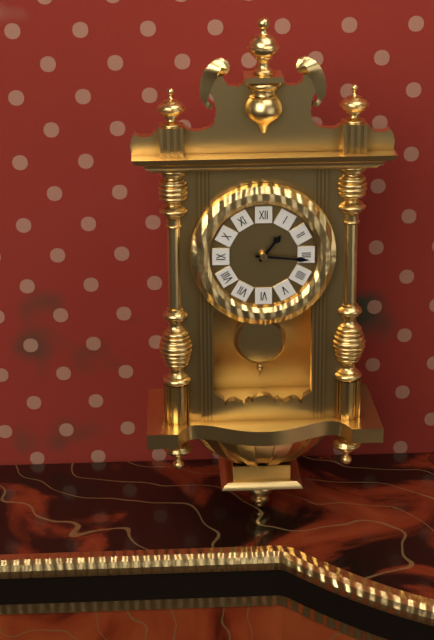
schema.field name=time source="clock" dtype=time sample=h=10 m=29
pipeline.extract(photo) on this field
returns h=1 m=16
